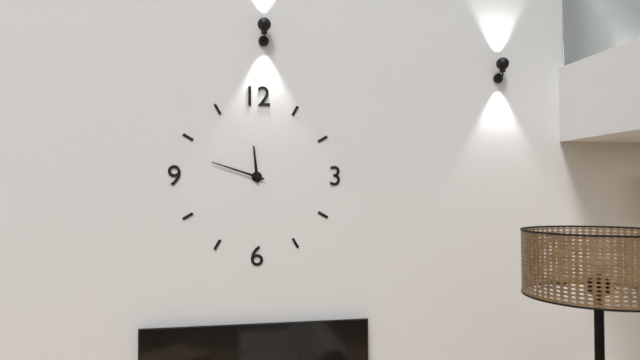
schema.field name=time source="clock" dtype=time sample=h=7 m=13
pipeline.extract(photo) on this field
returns h=11 m=48
